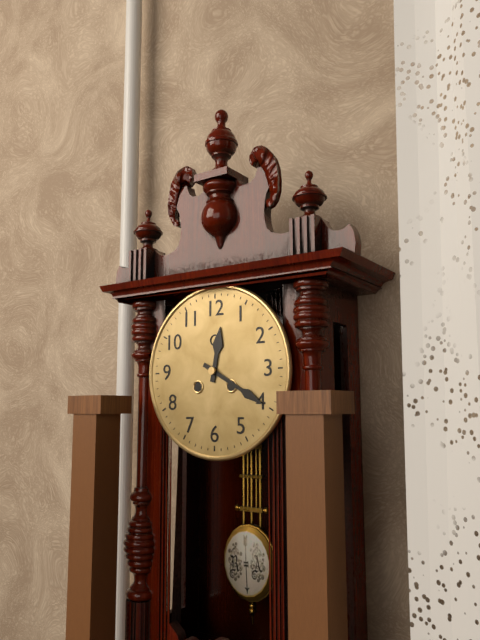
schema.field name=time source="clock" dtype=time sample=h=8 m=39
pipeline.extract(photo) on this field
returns h=12 m=20
